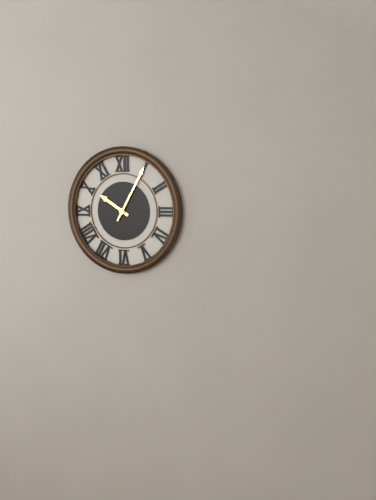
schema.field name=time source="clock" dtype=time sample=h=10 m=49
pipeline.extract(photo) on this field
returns h=10 m=5
